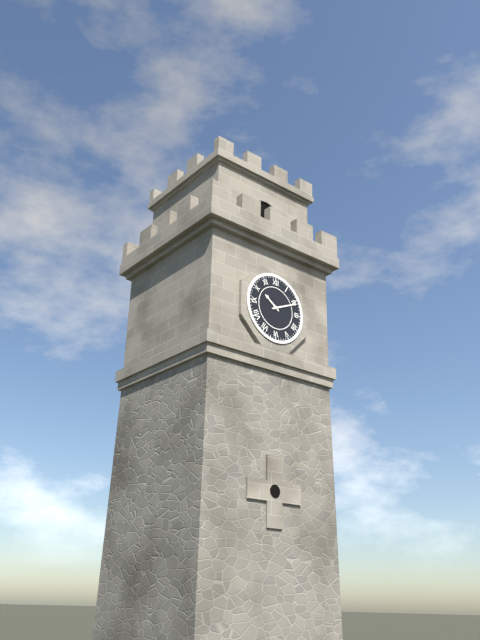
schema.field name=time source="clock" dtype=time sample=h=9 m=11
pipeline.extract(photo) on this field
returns h=10 m=11
